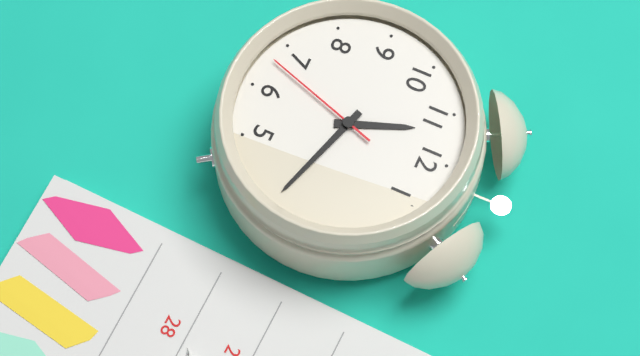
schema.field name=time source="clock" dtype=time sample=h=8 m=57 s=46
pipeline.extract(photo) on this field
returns h=11 m=18 s=33
